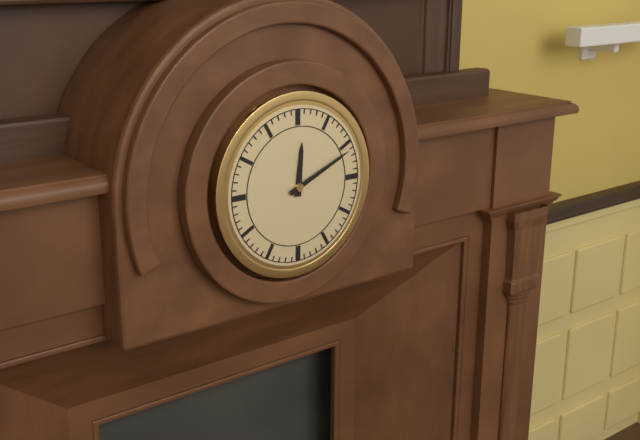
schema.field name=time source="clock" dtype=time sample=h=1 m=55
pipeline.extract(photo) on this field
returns h=12 m=11
